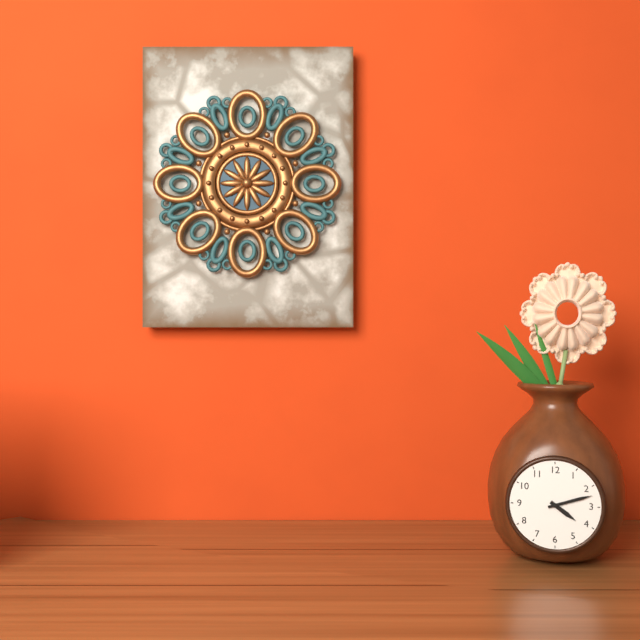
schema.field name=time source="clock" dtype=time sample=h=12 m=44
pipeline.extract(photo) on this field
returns h=4 m=12
